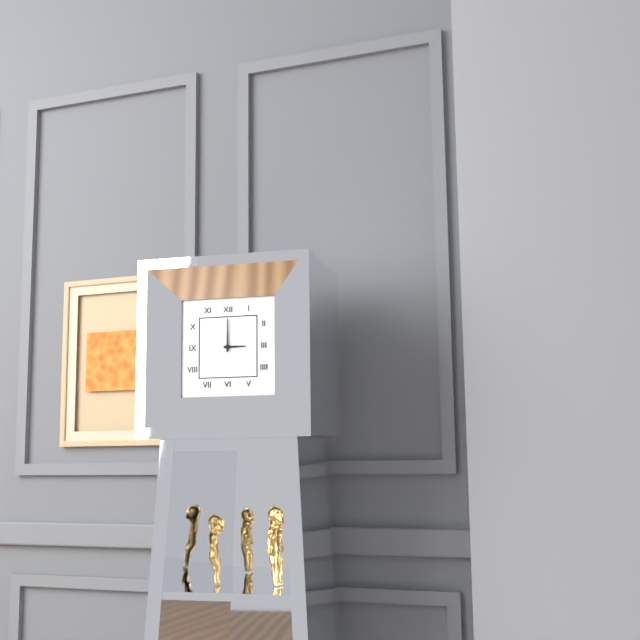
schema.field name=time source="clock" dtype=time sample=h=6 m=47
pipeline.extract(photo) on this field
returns h=3 m=0
